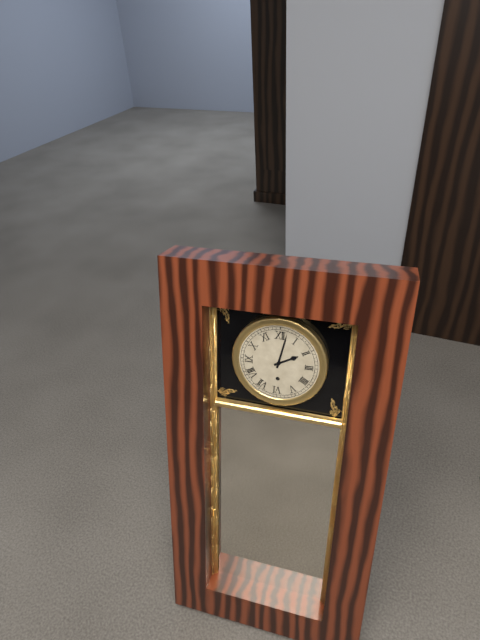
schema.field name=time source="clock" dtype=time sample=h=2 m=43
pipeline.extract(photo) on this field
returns h=2 m=2
